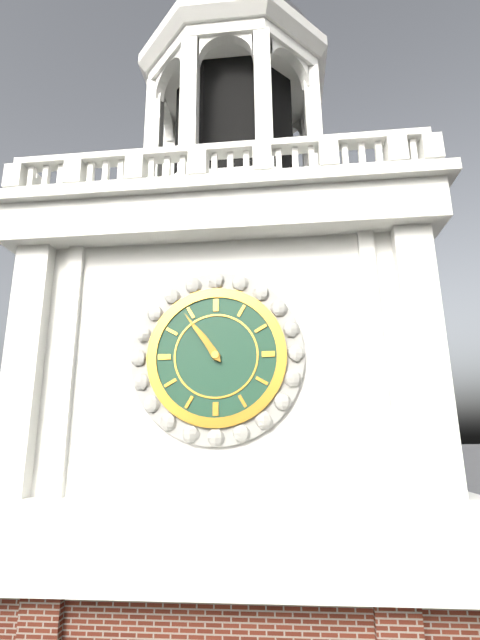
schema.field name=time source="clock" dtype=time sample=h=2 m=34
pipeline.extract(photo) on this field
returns h=10 m=54
